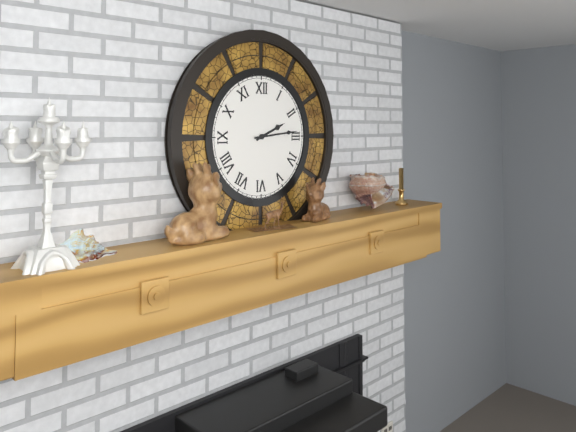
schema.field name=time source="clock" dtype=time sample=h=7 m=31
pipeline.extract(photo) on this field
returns h=2 m=14
